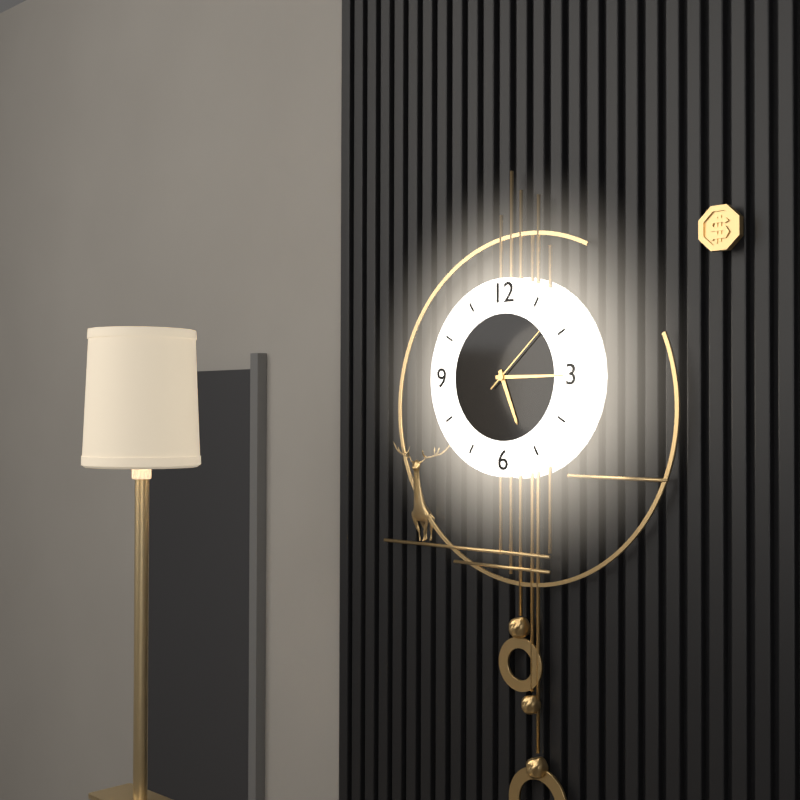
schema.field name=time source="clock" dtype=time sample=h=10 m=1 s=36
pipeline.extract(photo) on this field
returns h=5 m=15 s=8
